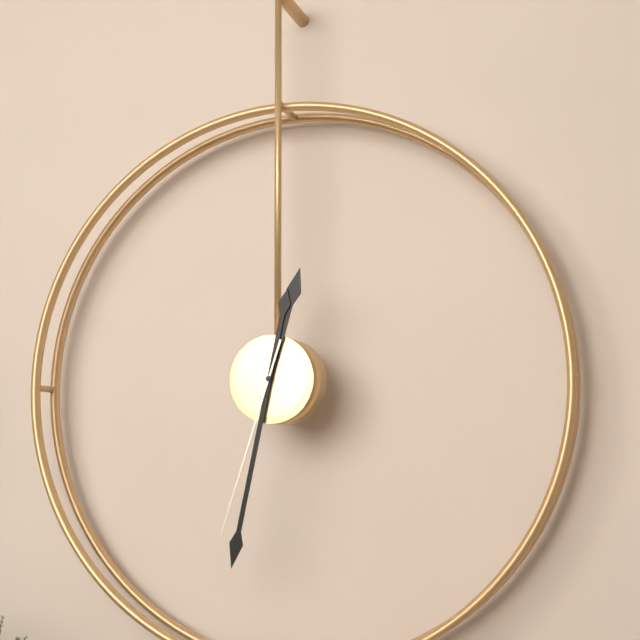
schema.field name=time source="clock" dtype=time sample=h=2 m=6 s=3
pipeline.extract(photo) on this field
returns h=12 m=32 s=33
